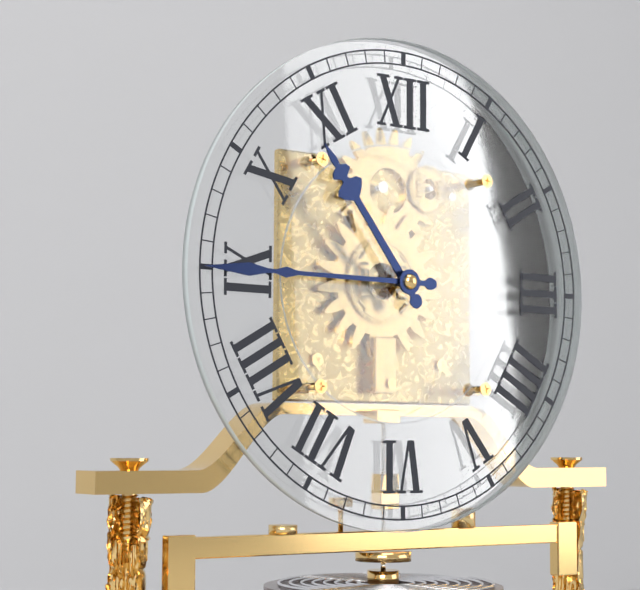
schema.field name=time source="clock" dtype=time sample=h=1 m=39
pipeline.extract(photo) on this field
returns h=10 m=45
